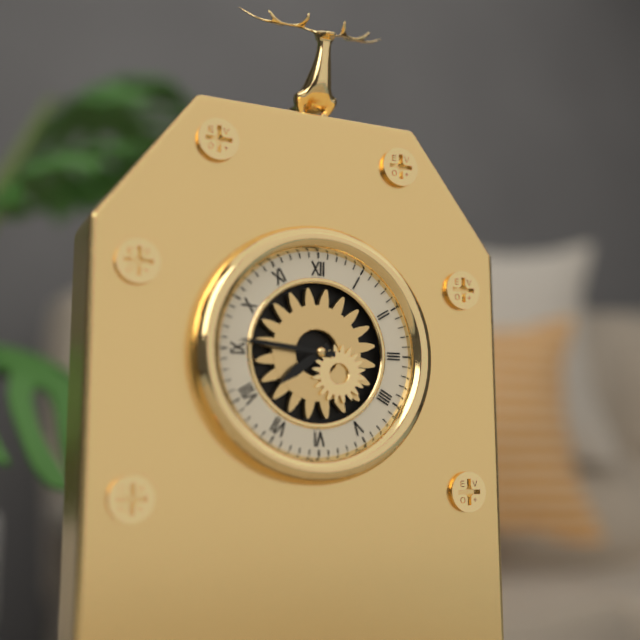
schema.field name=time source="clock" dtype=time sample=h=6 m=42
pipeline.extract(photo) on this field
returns h=7 m=46
